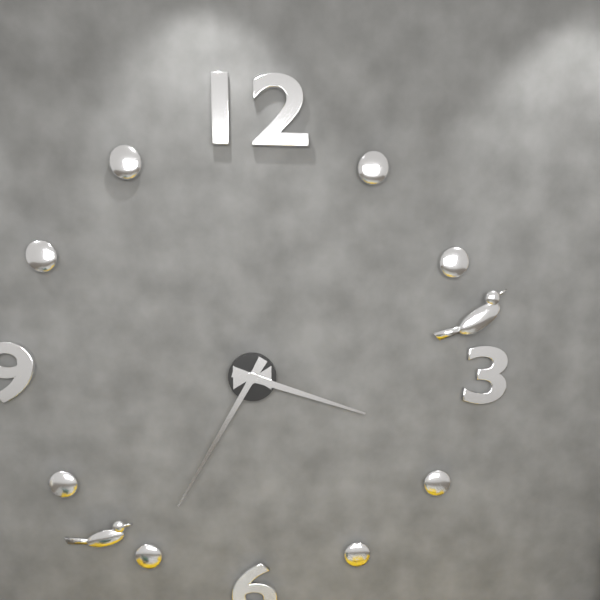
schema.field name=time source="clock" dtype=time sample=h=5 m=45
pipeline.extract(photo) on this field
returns h=3 m=35
